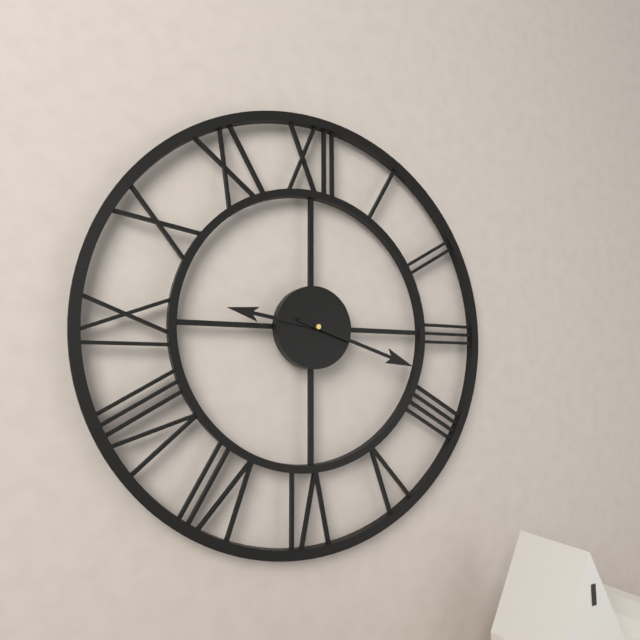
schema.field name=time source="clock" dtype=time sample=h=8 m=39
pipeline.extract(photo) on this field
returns h=9 m=18
